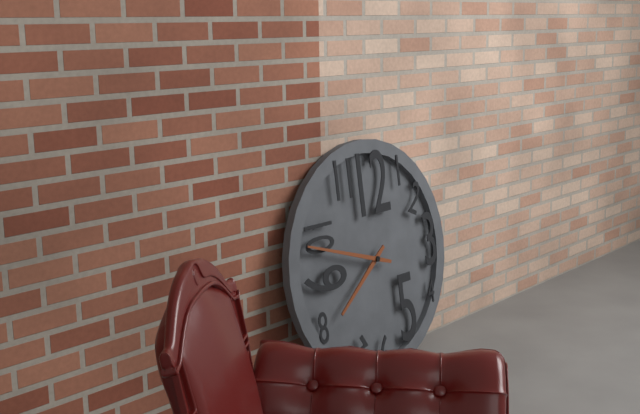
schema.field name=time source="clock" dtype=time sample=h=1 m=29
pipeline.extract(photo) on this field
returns h=7 m=48
